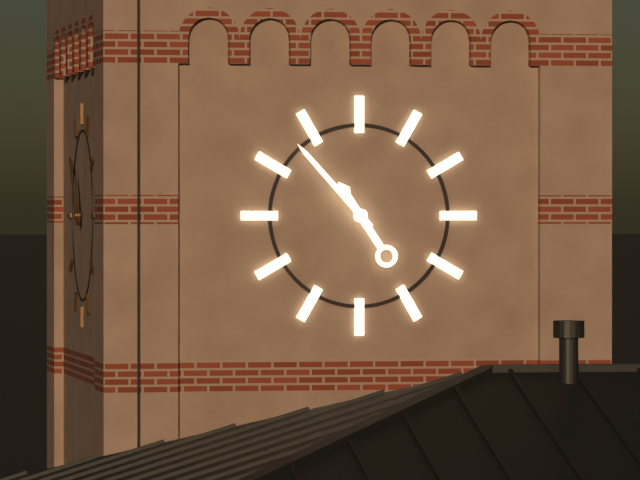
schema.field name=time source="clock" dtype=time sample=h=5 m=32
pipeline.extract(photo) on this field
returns h=10 m=53
